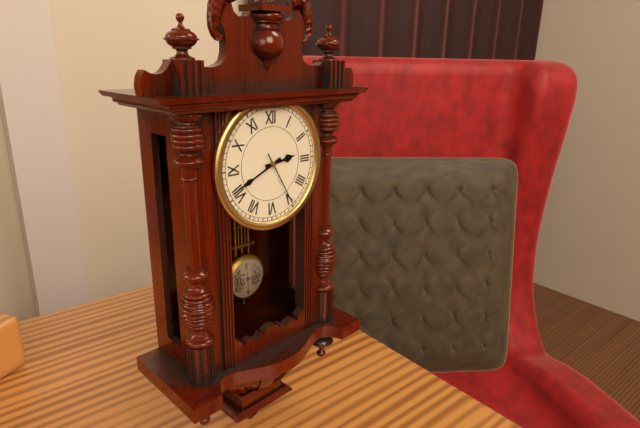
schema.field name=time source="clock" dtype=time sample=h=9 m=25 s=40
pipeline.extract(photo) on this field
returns h=2 m=41 s=25
